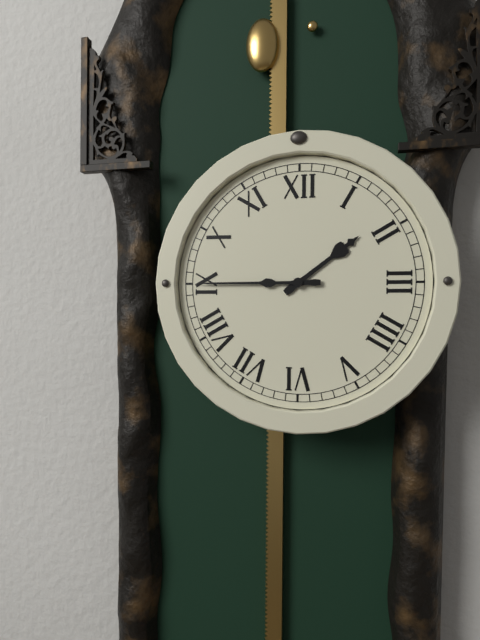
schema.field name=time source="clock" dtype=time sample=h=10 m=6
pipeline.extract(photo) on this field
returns h=1 m=45
